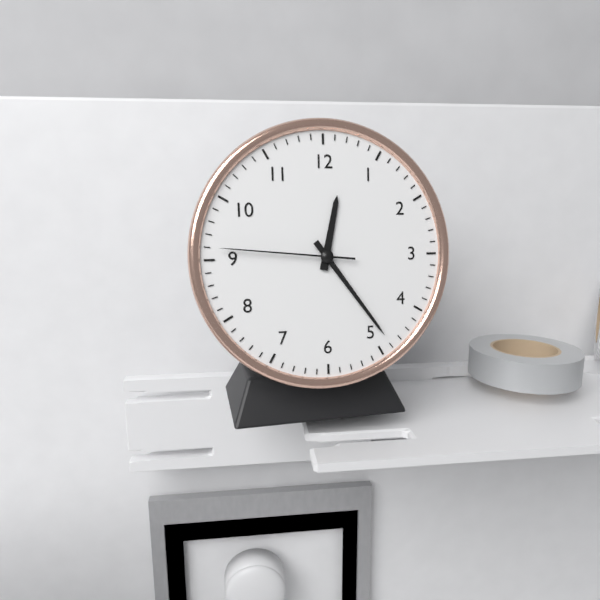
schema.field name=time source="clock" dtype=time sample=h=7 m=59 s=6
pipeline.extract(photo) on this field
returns h=12 m=24 s=46
